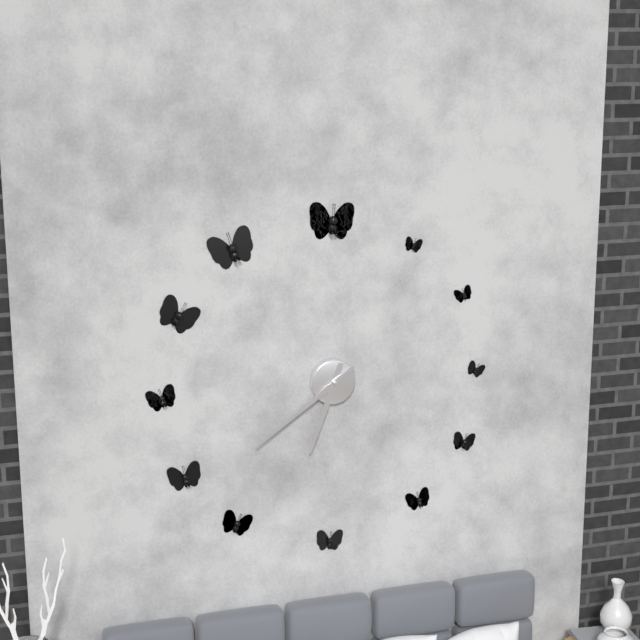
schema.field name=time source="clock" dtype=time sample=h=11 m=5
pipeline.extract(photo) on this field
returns h=6 m=39
